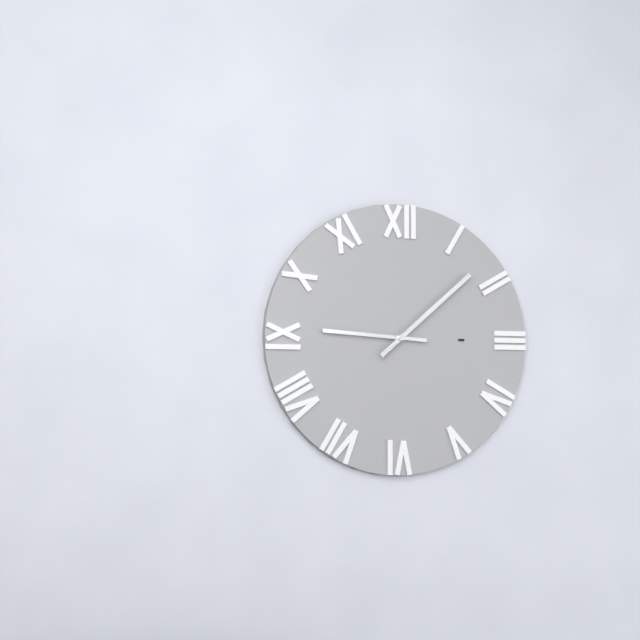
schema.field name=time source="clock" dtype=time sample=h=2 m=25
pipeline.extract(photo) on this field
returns h=9 m=8
